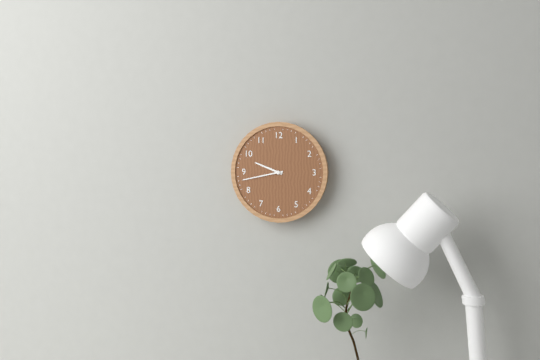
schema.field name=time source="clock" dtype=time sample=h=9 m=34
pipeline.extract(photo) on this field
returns h=9 m=43
